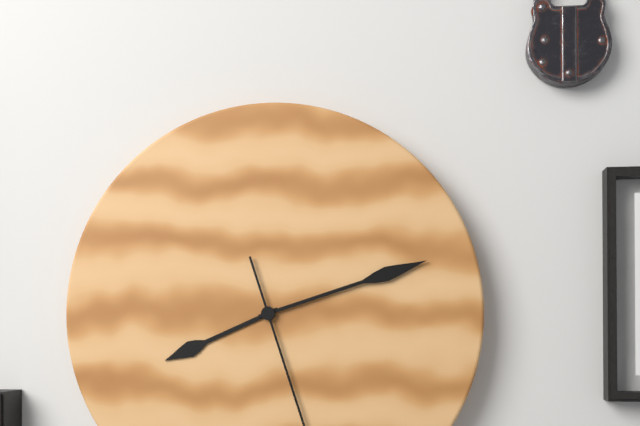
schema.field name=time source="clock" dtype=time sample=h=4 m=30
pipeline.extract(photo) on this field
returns h=8 m=12
